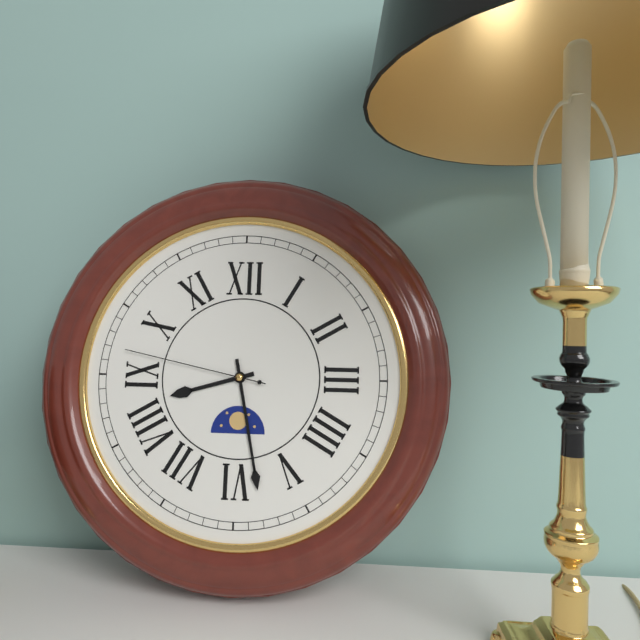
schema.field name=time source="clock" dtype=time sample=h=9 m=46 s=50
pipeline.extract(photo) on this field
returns h=8 m=28 s=47
